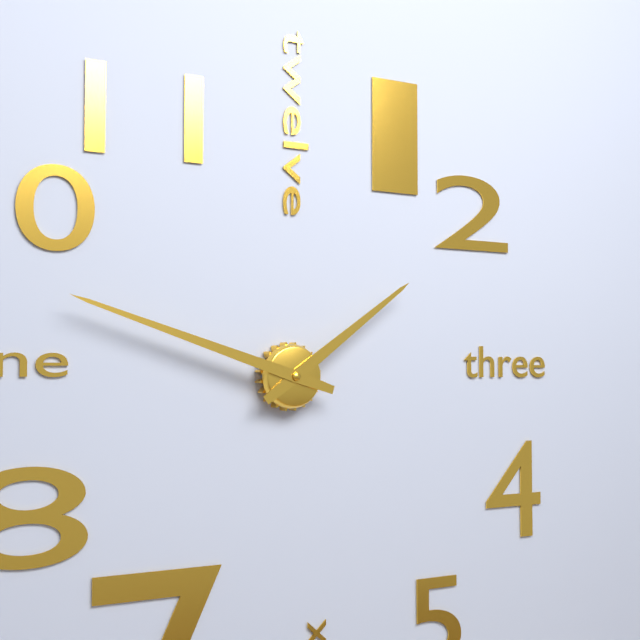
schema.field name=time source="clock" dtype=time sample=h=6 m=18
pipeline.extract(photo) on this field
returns h=1 m=48
